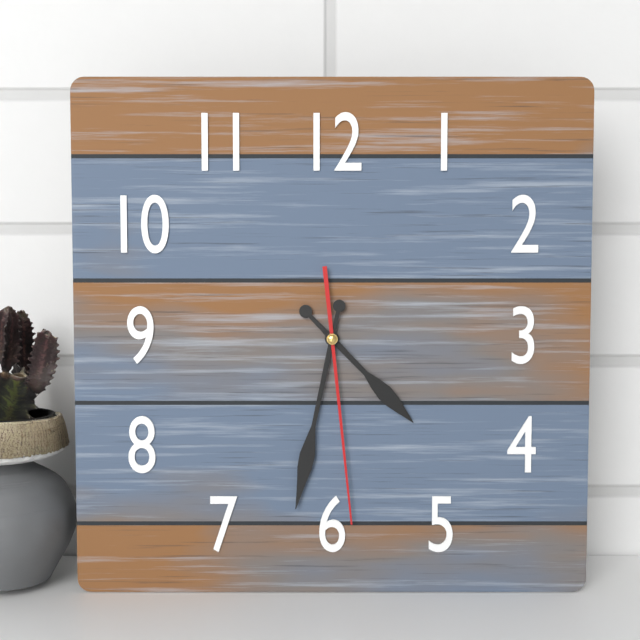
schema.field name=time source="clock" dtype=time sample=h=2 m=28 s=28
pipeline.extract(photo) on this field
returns h=4 m=32 s=29
